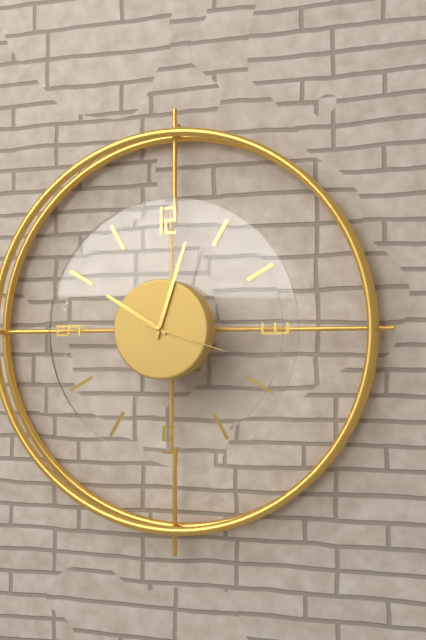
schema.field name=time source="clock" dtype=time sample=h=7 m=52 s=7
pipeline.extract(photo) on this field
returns h=10 m=3 s=18
